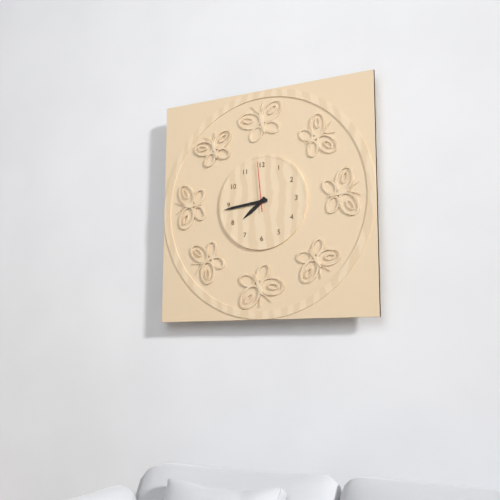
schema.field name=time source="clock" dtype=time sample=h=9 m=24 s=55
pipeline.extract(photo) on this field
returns h=7 m=44 s=59
